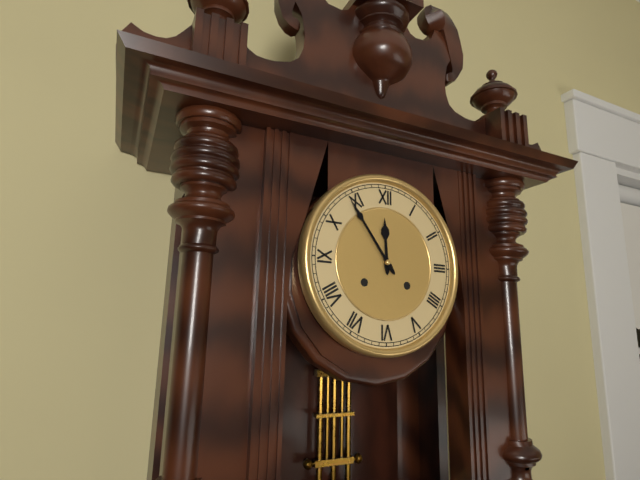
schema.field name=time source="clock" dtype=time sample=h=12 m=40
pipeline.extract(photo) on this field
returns h=11 m=54
